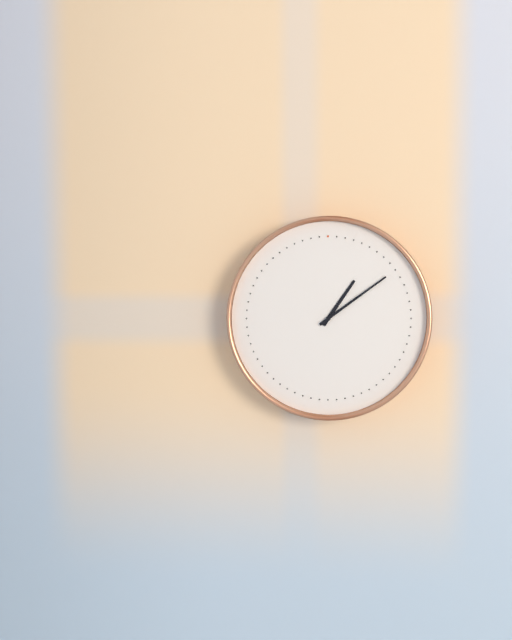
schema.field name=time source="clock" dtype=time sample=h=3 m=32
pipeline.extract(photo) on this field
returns h=1 m=9
